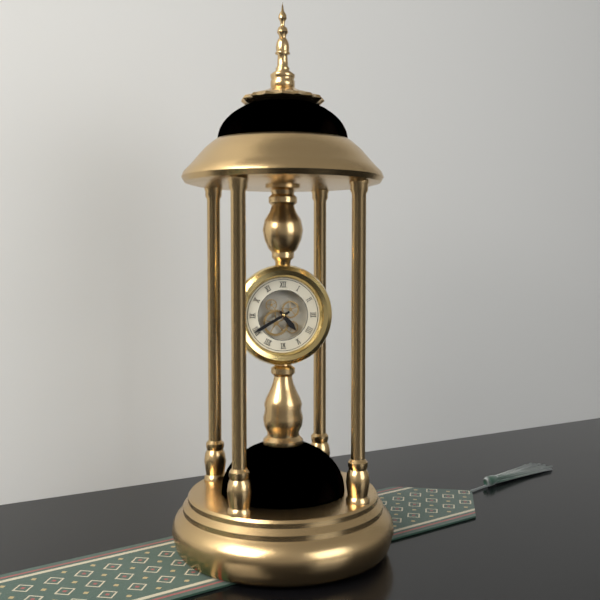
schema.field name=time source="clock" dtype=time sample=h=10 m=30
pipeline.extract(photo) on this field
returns h=4 m=40
